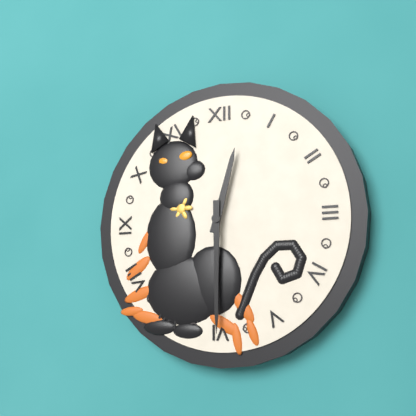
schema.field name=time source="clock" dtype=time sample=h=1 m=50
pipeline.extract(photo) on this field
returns h=12 m=30
